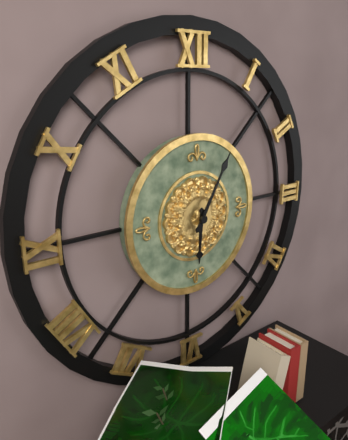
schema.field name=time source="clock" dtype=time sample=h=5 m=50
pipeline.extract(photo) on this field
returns h=6 m=5
